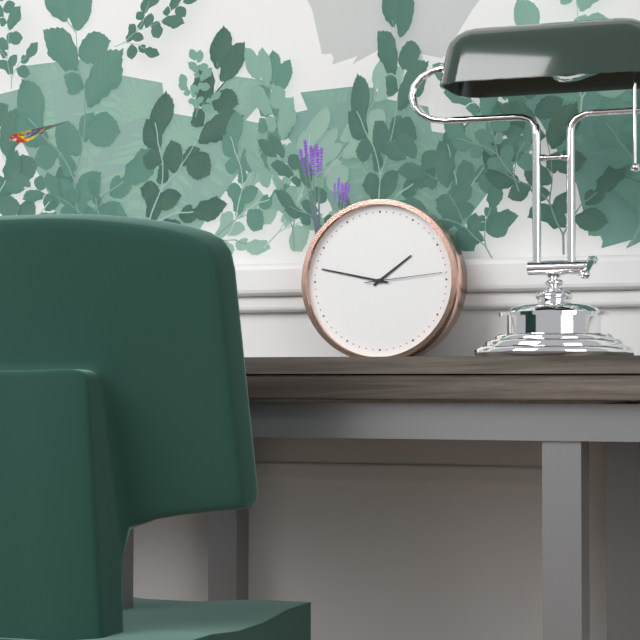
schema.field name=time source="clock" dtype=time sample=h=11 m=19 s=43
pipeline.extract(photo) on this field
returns h=1 m=47 s=14
